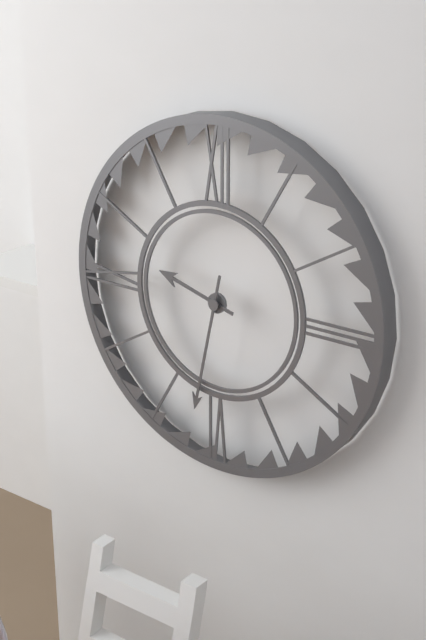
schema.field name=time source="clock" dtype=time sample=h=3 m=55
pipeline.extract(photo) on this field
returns h=9 m=32
